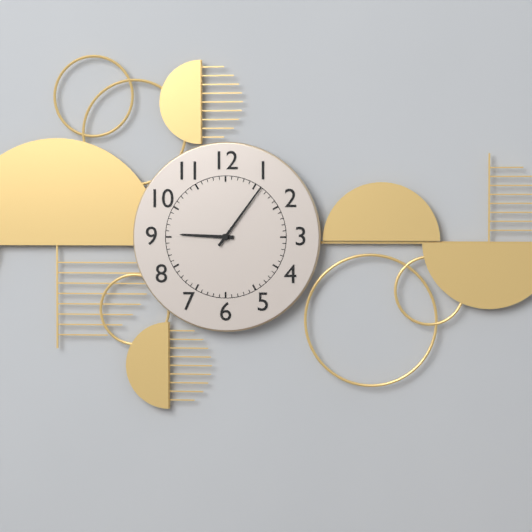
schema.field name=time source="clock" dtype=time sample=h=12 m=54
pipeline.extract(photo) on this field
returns h=9 m=6
